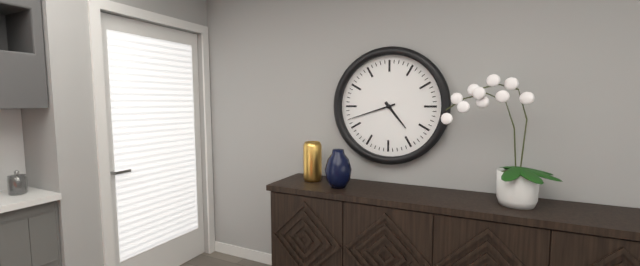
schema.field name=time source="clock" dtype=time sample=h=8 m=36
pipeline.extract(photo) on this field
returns h=4 m=42
